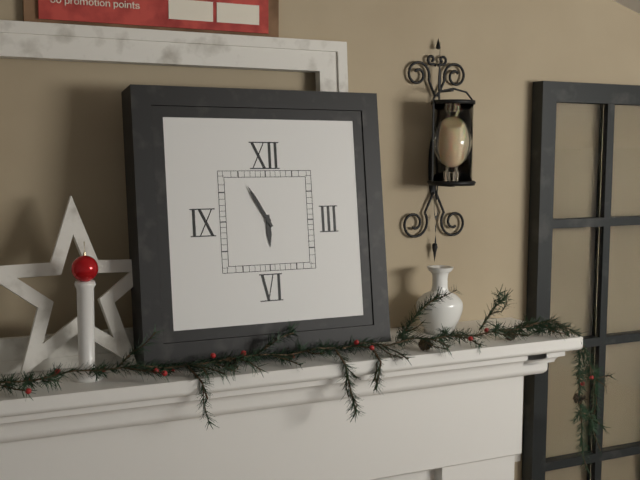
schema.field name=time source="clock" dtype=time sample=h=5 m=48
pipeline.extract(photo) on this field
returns h=5 m=55
